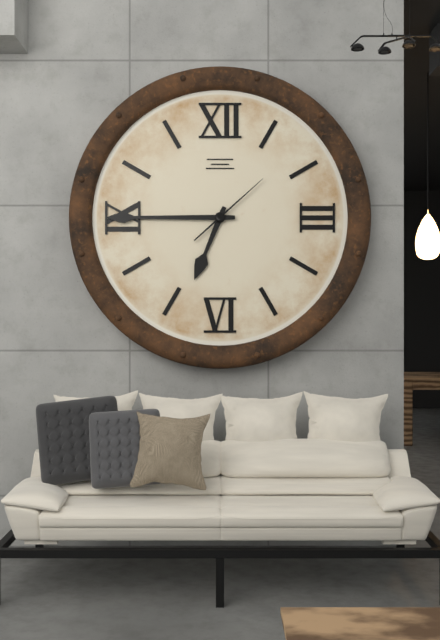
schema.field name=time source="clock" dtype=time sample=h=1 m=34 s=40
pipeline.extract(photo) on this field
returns h=6 m=45 s=8
